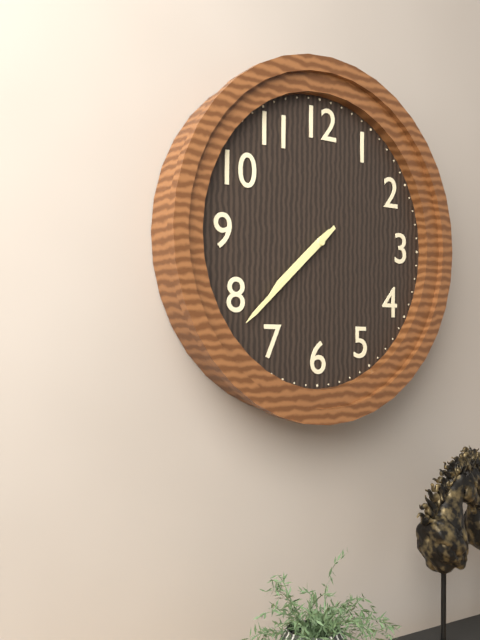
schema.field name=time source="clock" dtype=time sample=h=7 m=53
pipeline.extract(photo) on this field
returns h=7 m=38
